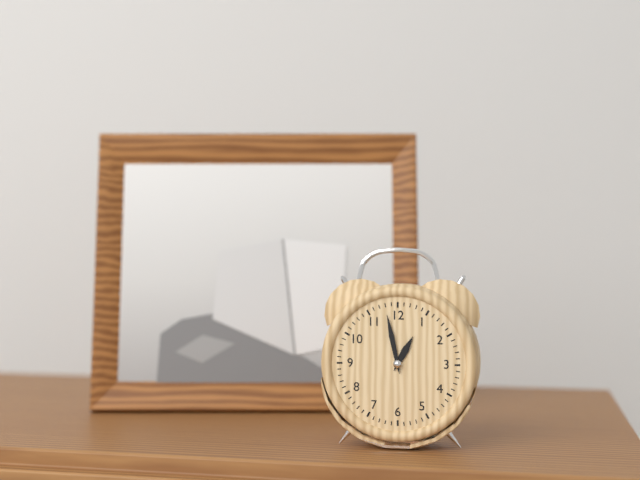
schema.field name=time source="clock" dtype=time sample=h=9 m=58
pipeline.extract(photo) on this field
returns h=12 m=58
